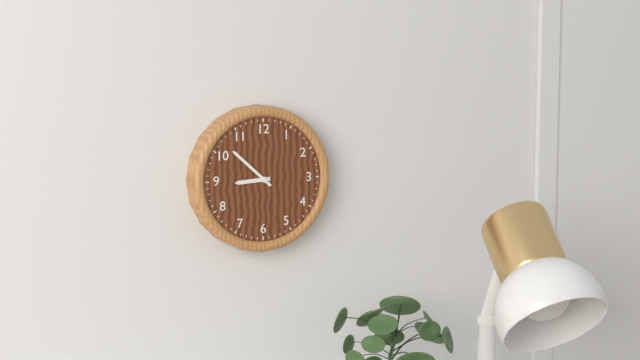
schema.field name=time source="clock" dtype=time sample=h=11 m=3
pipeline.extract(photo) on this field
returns h=8 m=52
